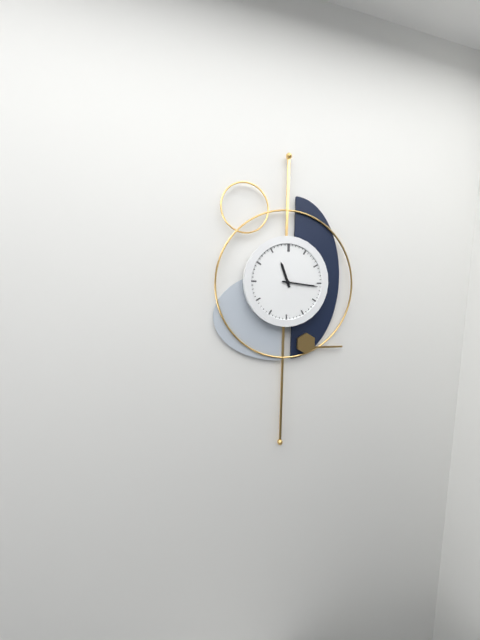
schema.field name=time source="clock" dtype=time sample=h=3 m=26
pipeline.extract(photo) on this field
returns h=11 m=16
